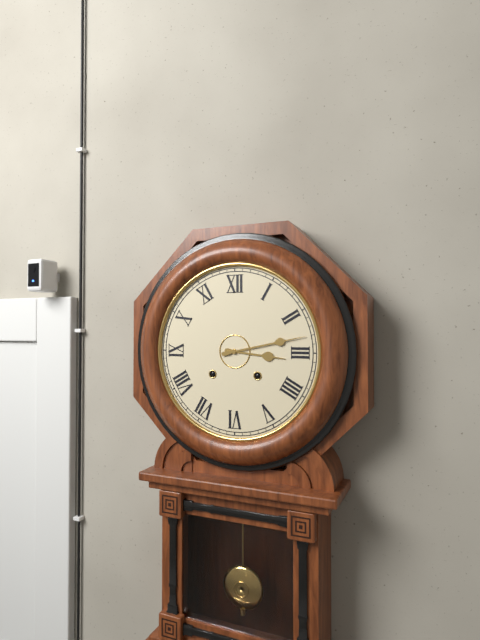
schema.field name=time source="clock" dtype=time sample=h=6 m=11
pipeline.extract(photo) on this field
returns h=3 m=13
